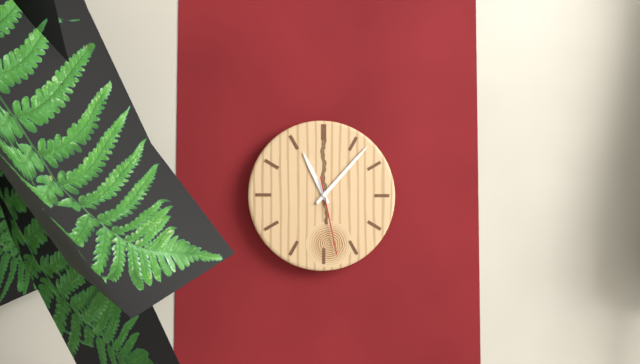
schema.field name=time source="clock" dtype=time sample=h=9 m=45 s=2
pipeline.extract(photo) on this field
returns h=11 m=7 s=28
